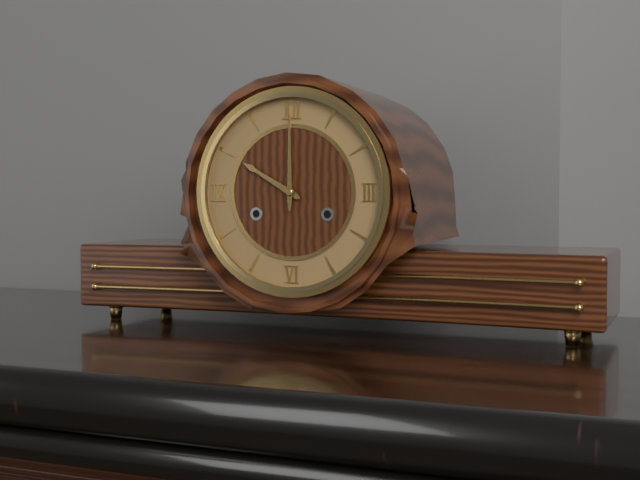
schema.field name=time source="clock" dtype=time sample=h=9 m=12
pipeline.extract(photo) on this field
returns h=10 m=0
